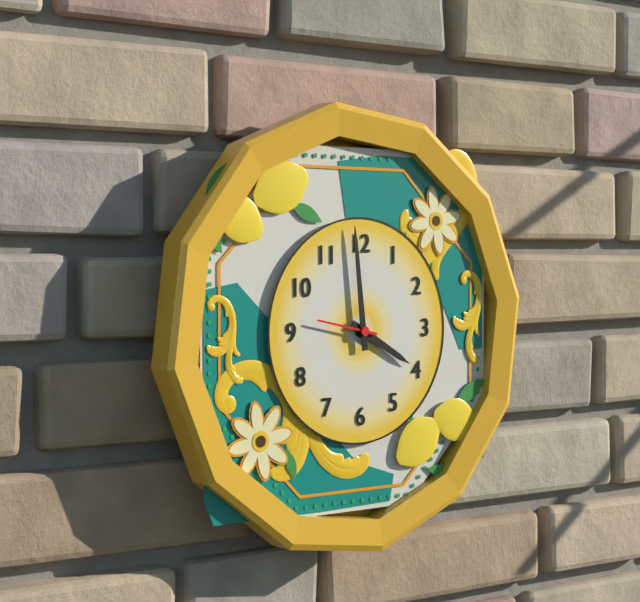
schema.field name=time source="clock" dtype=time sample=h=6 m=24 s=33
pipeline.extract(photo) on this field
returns h=3 m=59 s=47
